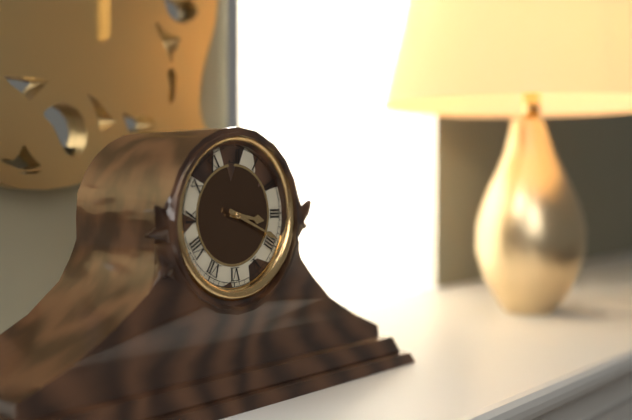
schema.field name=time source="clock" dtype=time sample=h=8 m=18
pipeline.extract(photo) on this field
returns h=3 m=19
